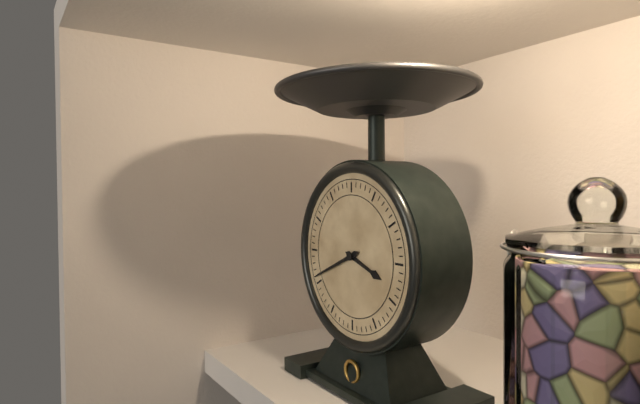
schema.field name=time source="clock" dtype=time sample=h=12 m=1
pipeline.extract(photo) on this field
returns h=3 m=41
